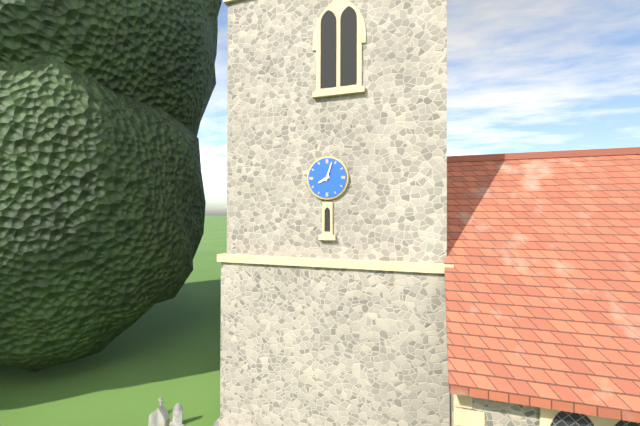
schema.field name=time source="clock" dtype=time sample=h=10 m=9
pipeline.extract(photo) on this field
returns h=8 m=3
